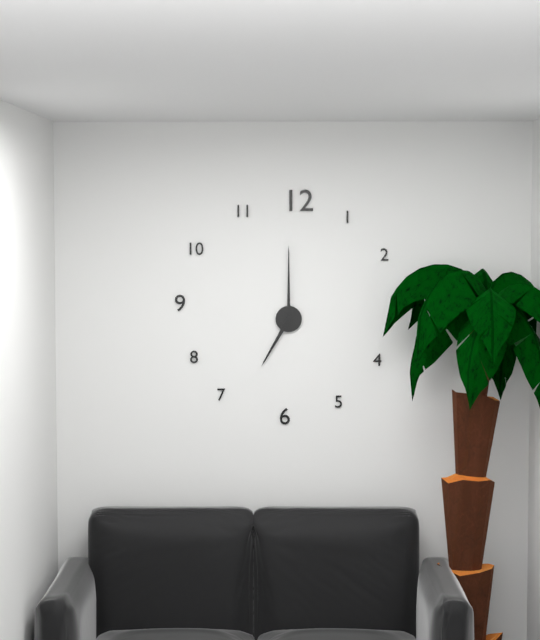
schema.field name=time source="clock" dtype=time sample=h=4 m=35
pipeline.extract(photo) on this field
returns h=7 m=0
